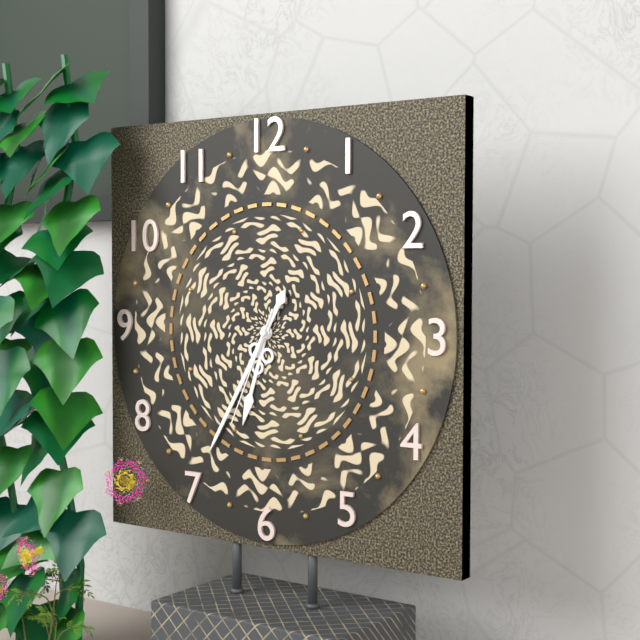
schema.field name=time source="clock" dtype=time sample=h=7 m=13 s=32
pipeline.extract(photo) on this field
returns h=6 m=35 s=34
